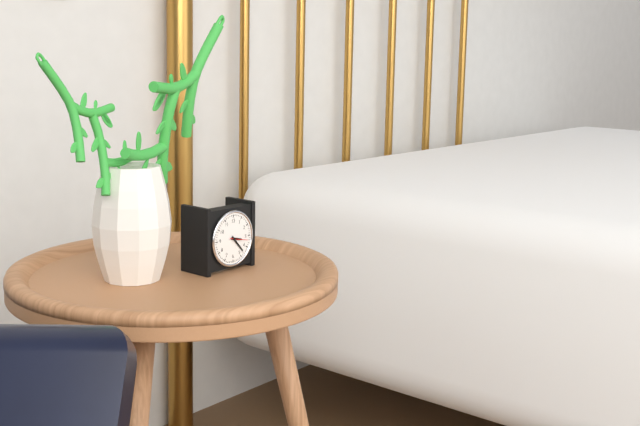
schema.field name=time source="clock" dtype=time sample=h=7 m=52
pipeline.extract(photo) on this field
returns h=3 m=23
